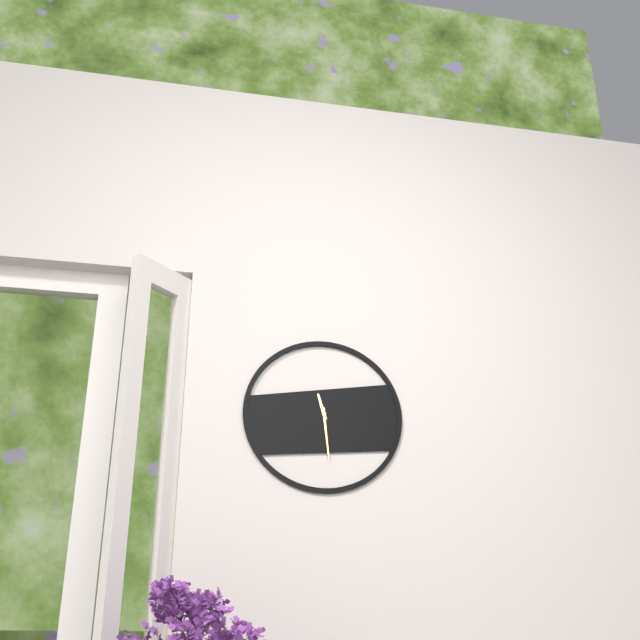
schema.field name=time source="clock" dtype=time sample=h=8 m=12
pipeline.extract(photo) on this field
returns h=11 m=29
